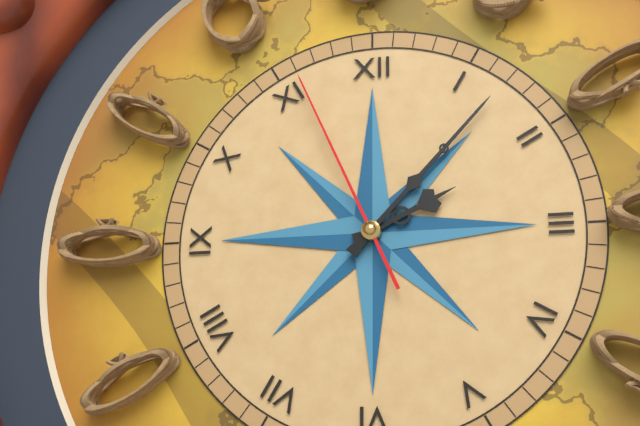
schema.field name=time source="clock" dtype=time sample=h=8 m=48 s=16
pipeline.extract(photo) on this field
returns h=2 m=7 s=56
